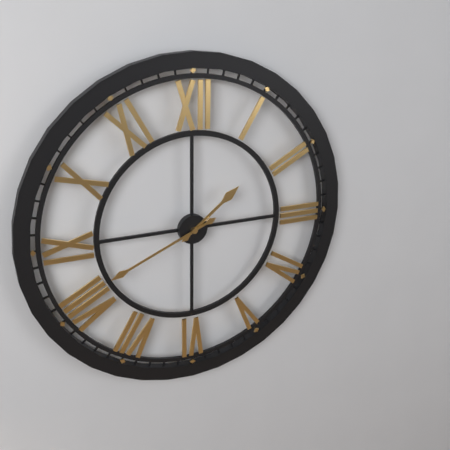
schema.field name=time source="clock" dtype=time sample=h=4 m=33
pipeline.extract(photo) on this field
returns h=1 m=41
